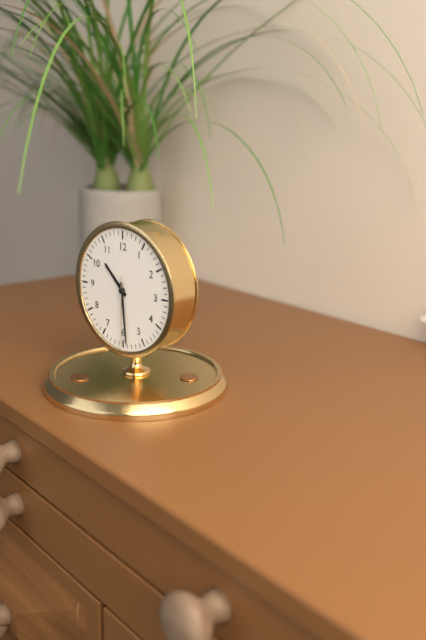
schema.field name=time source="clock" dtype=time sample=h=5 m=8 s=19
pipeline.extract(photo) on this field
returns h=10 m=29 s=30
